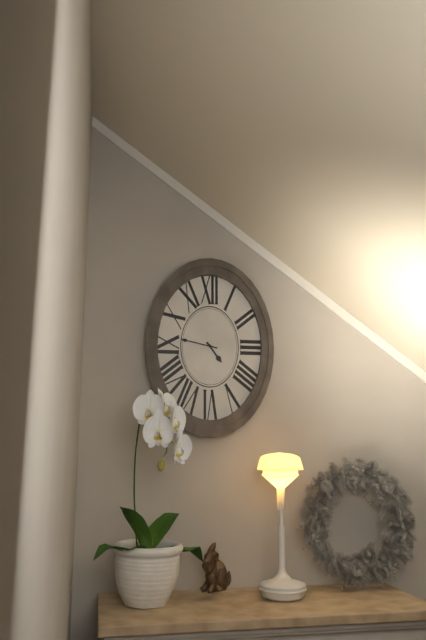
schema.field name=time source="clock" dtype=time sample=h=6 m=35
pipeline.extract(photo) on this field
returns h=4 m=47
